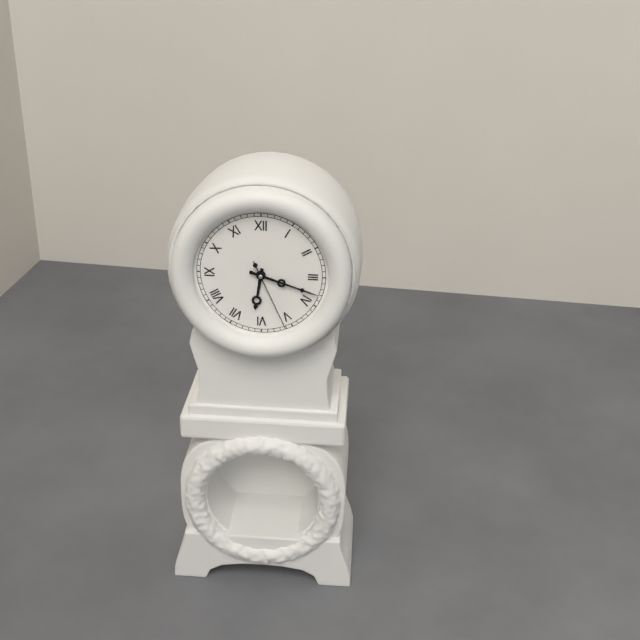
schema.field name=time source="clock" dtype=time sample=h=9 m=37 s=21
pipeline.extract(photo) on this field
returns h=6 m=18 s=26
